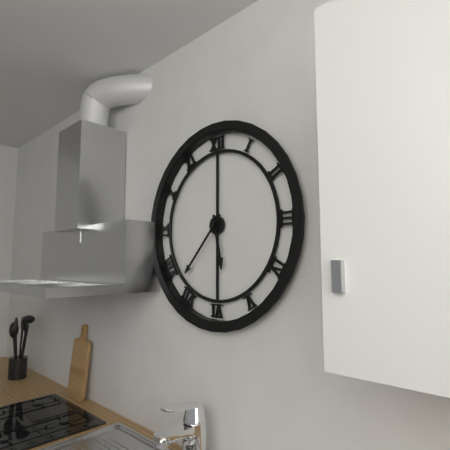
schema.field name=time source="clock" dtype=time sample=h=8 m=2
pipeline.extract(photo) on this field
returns h=5 m=37
